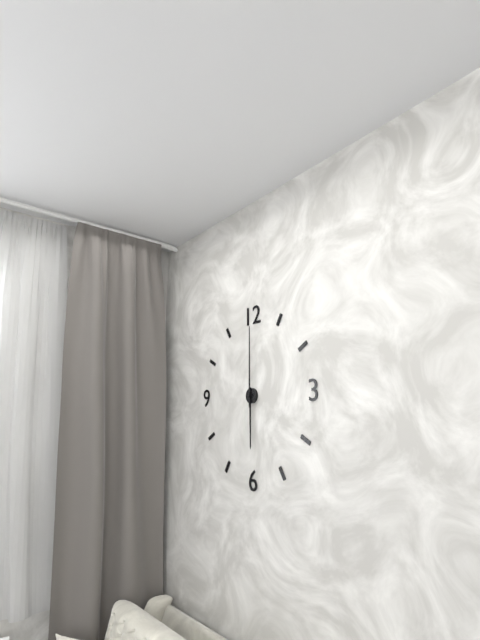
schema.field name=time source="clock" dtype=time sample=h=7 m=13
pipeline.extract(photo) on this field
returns h=6 m=0
